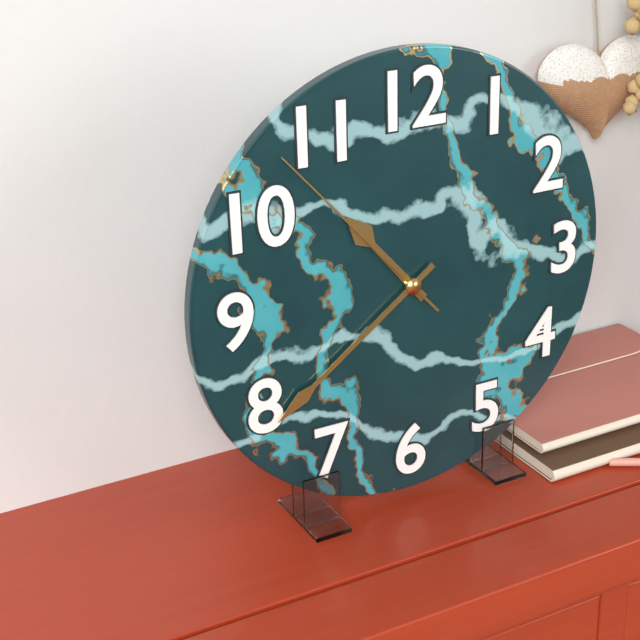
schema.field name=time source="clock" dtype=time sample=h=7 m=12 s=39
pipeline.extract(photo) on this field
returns h=10 m=39 s=53
